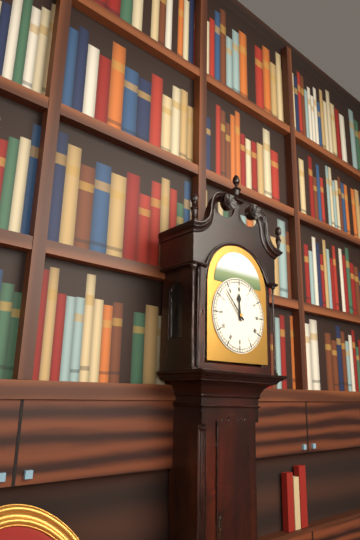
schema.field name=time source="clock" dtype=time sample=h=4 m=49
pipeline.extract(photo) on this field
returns h=11 m=53
